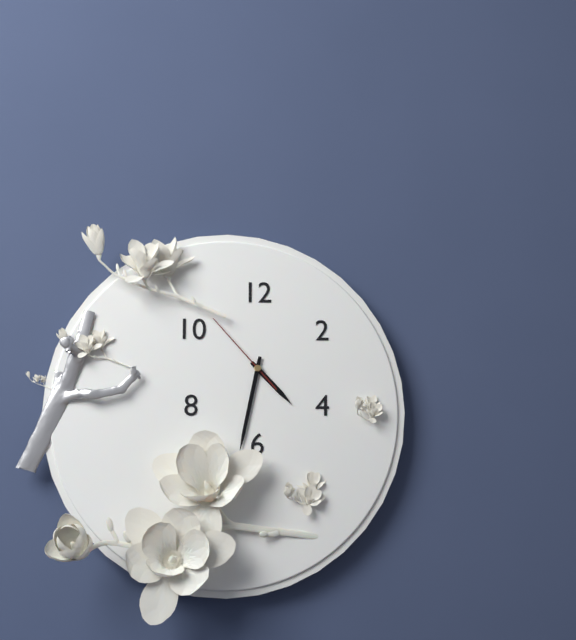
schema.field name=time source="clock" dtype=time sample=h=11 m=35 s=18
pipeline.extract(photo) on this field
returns h=4 m=32 s=53
